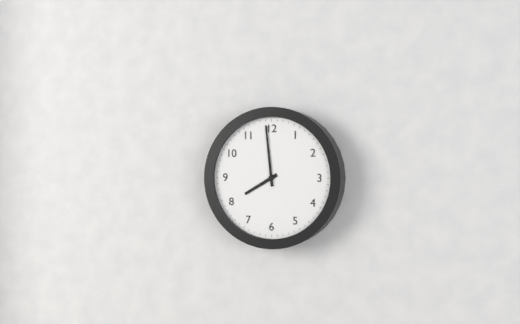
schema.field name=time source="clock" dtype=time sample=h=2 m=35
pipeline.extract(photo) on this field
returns h=7 m=59
